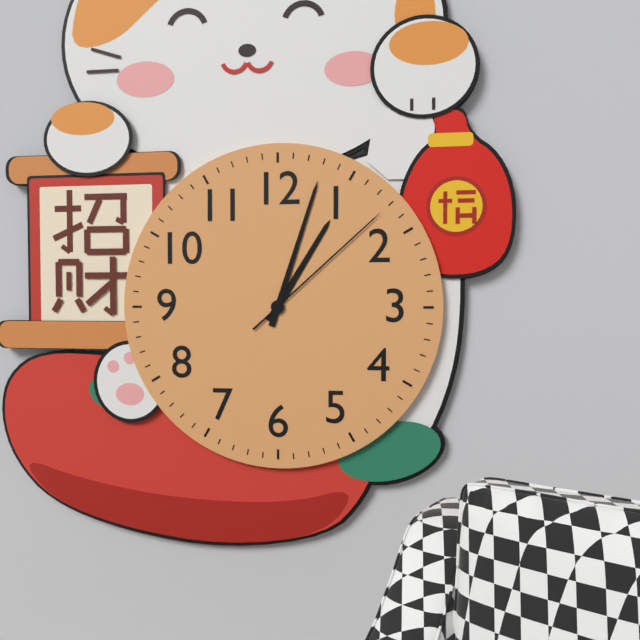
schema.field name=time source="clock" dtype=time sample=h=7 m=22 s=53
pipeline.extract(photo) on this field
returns h=1 m=3 s=8
